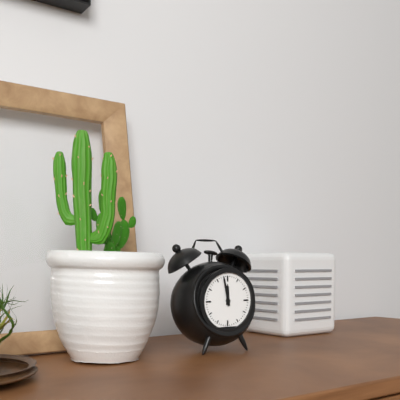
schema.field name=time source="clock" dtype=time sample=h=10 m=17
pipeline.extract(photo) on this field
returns h=11 m=58
